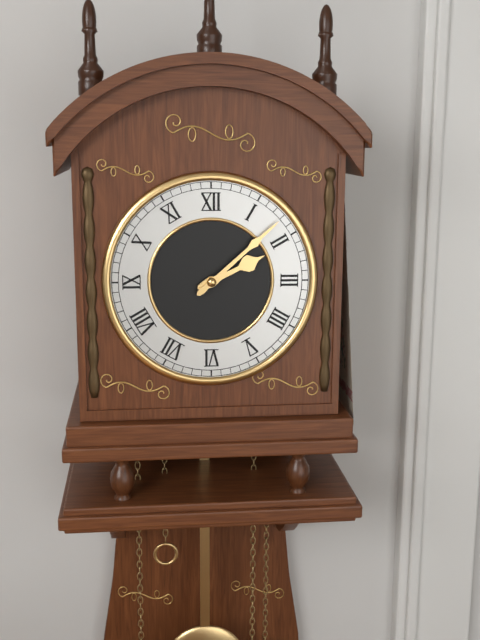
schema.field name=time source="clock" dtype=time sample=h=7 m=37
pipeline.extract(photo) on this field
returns h=2 m=8
